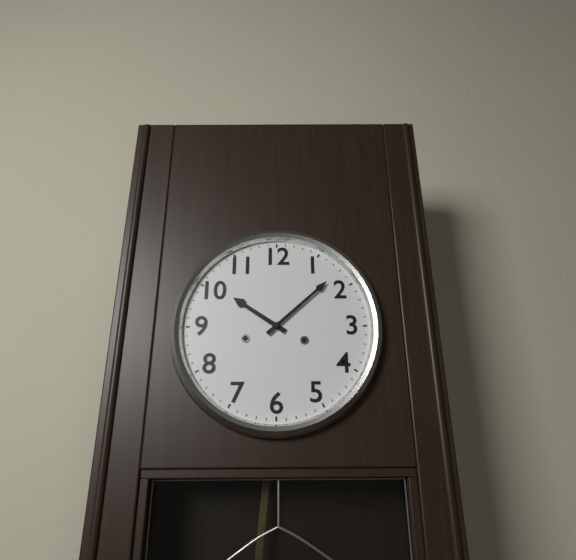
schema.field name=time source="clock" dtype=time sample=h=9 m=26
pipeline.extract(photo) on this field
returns h=10 m=8
